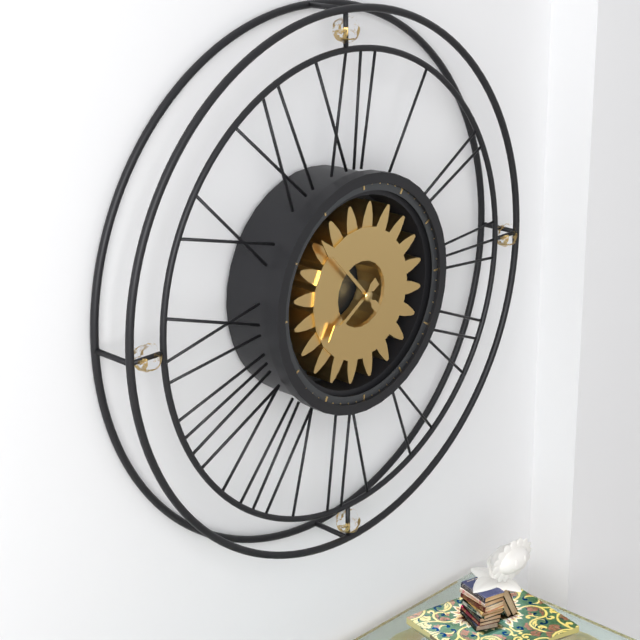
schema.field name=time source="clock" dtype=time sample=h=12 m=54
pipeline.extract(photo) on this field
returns h=7 m=53
